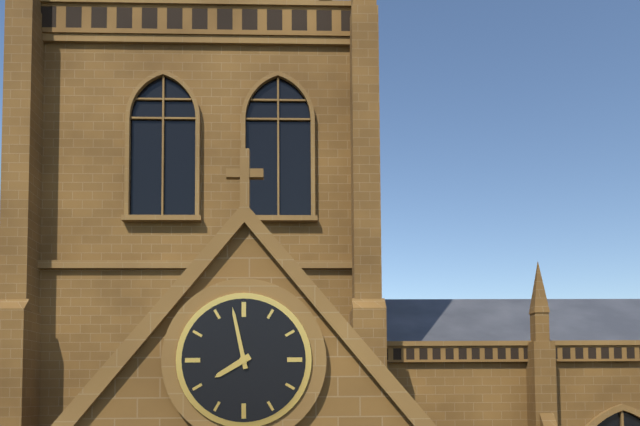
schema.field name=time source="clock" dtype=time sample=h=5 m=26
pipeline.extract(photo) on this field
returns h=7 m=58
